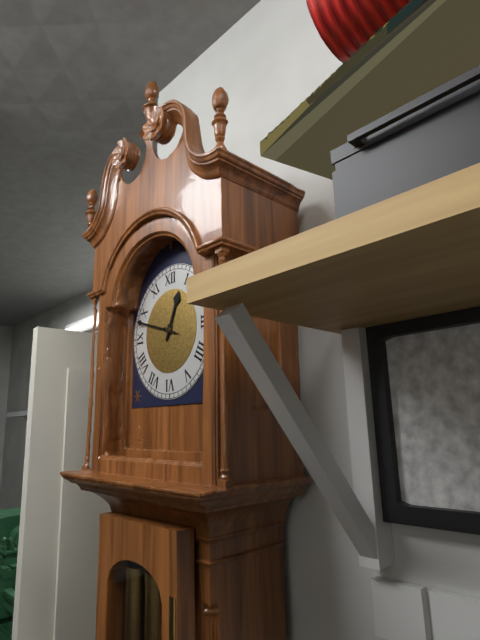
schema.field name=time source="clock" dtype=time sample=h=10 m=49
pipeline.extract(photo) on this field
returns h=12 m=48
